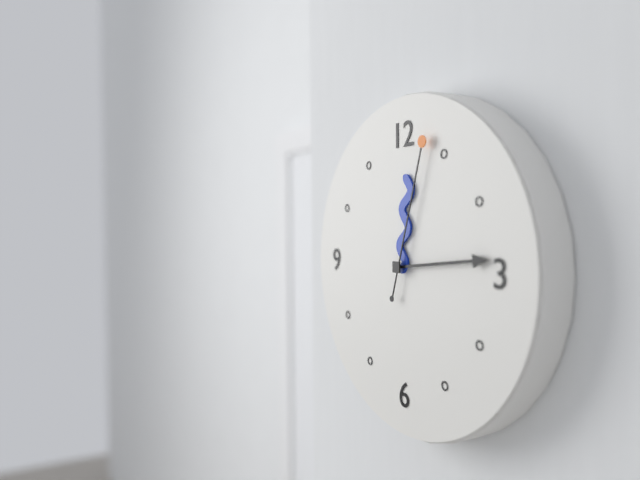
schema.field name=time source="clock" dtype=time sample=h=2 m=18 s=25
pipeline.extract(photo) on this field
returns h=12 m=14 s=3
